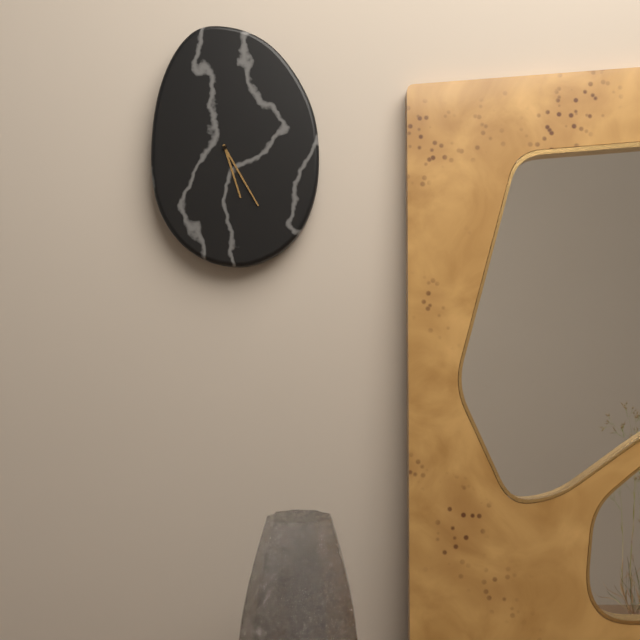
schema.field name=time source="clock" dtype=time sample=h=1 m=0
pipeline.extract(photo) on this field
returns h=5 m=25
